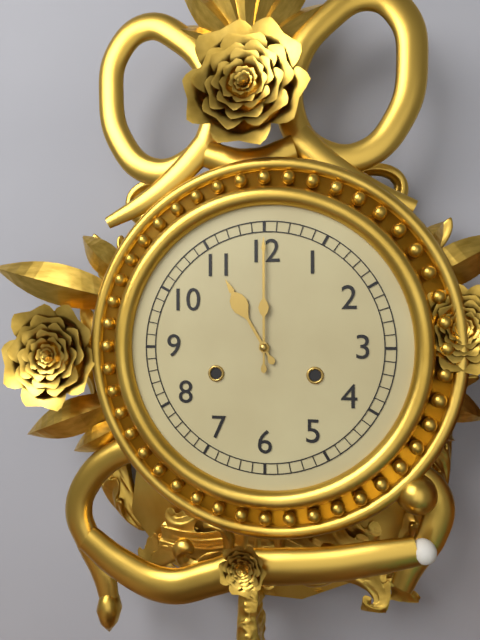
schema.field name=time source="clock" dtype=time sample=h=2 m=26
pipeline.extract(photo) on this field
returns h=11 m=0
